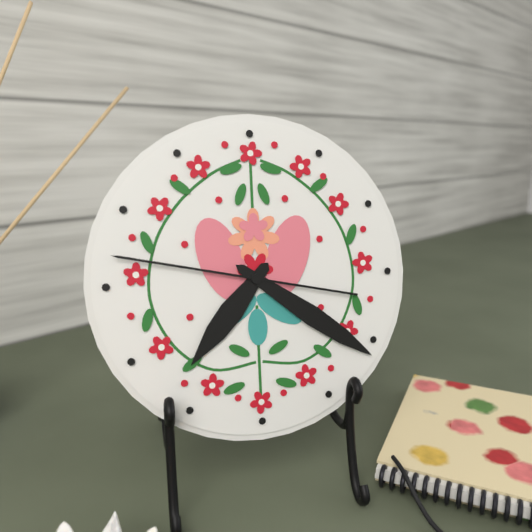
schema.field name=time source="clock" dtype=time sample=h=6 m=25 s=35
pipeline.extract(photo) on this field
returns h=7 m=21 s=47
